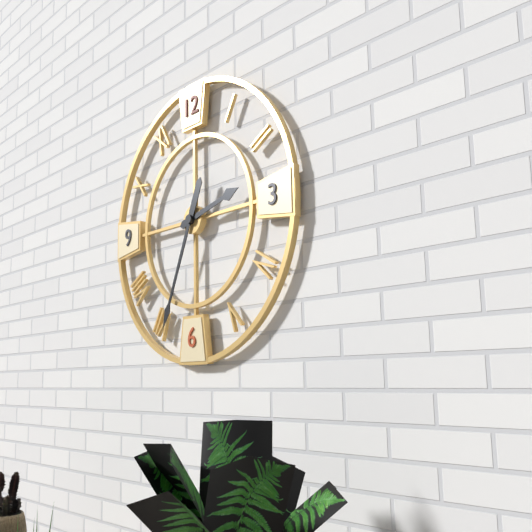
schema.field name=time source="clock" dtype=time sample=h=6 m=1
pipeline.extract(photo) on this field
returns h=2 m=34
